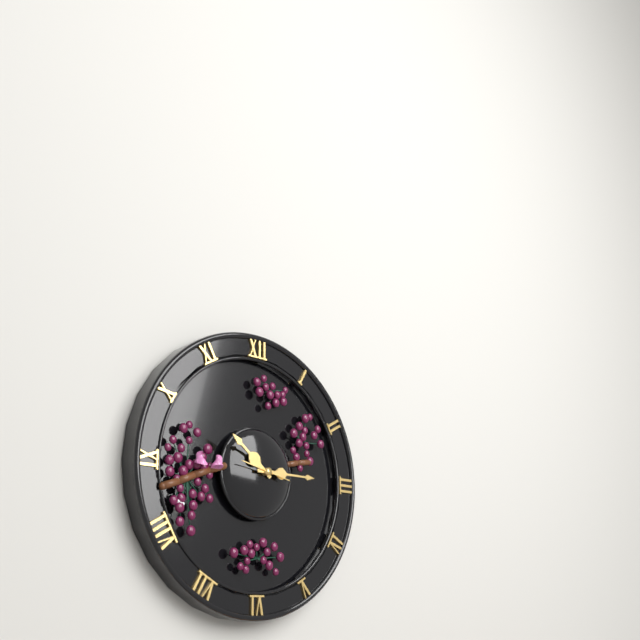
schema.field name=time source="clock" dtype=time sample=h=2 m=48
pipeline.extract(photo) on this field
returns h=10 m=15
